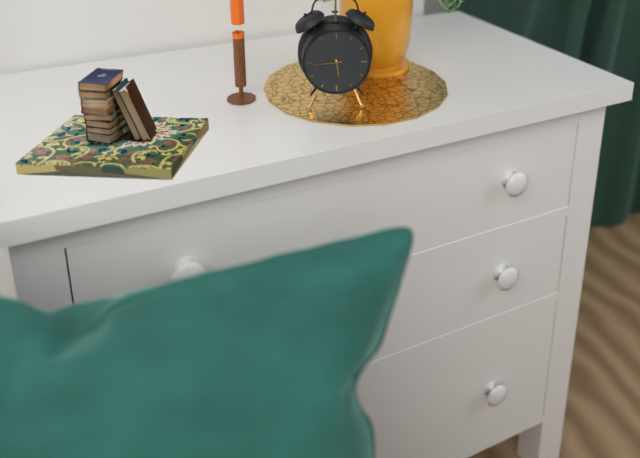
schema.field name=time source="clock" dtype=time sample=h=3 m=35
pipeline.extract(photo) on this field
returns h=5 m=44
